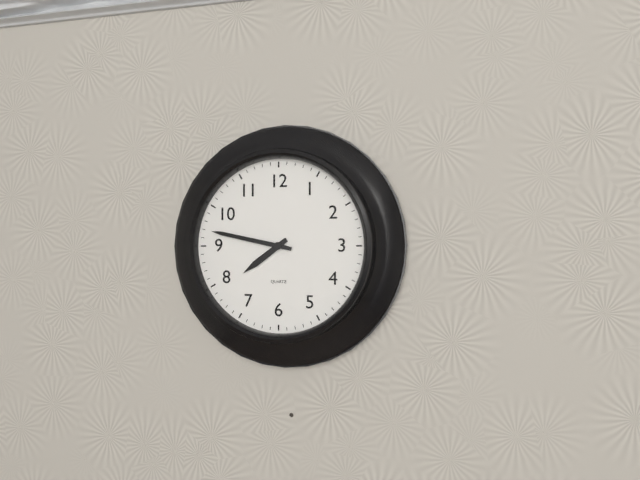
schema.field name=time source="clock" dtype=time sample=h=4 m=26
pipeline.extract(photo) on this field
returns h=7 m=47
